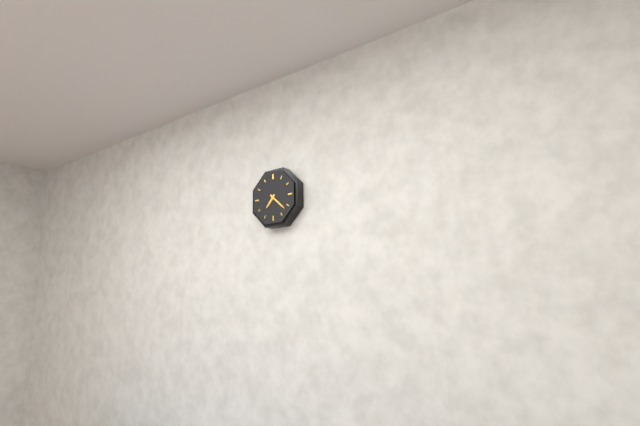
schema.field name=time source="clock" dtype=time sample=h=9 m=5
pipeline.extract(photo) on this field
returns h=7 m=22
